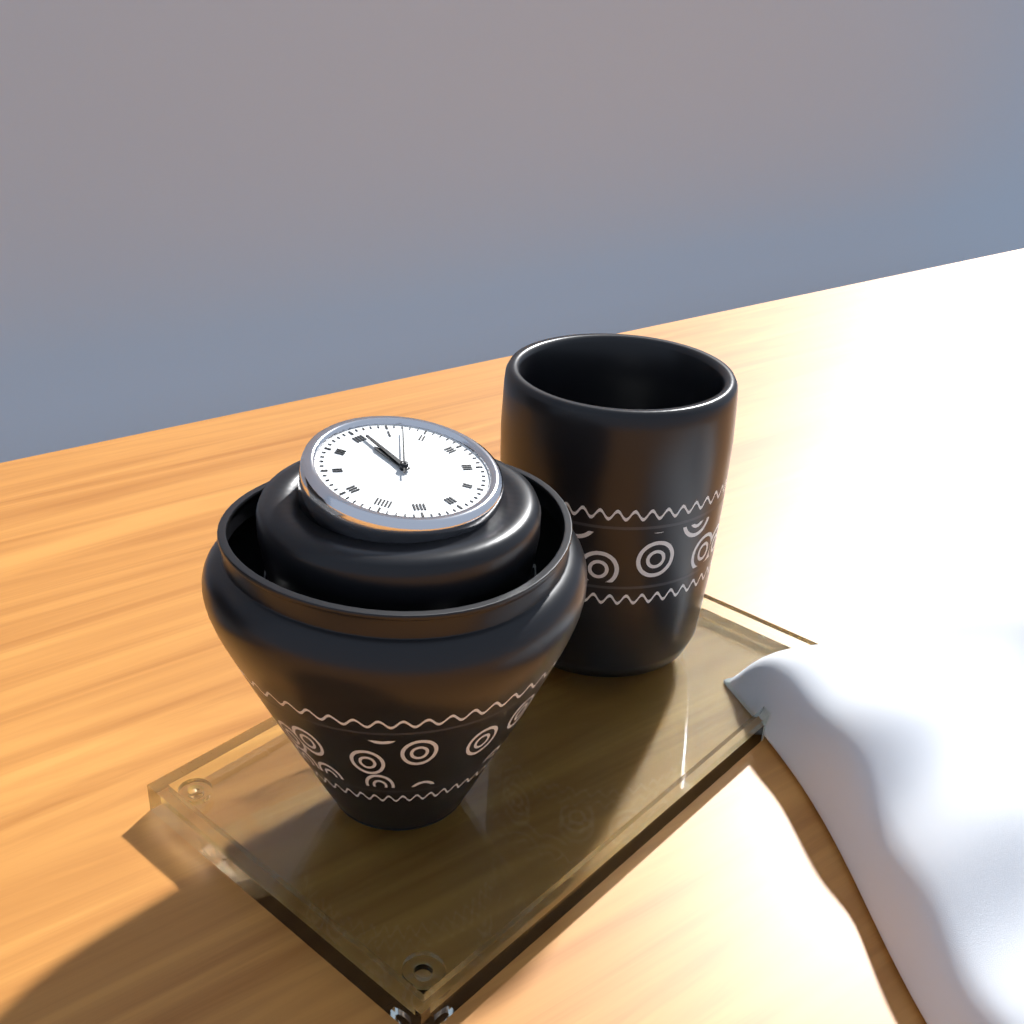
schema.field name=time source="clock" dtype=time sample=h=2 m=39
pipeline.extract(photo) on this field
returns h=12 m=1
